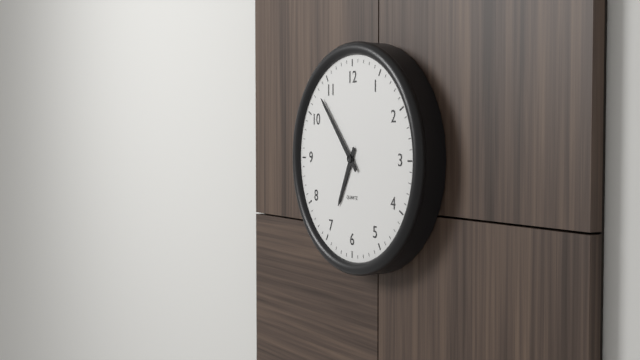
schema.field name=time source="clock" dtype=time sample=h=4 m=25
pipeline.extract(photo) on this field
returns h=6 m=53
